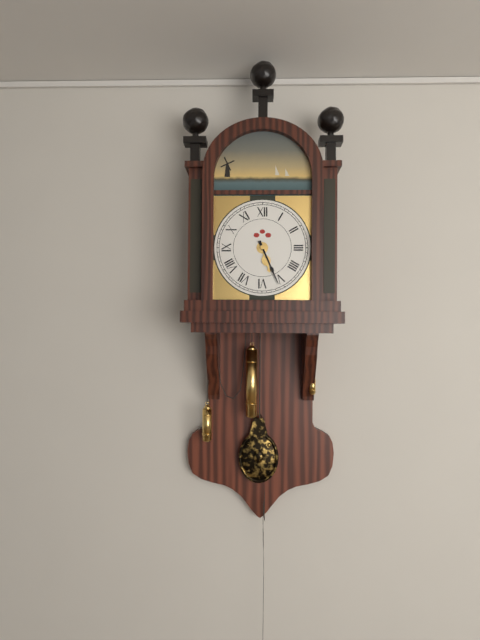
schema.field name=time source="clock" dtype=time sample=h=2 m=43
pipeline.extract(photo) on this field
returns h=5 m=26
